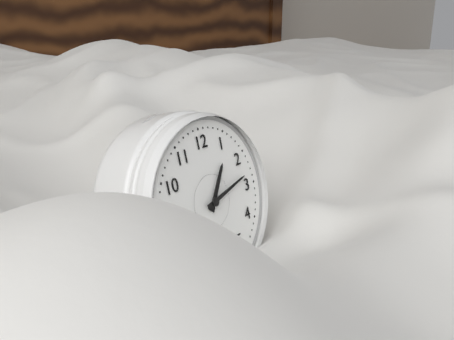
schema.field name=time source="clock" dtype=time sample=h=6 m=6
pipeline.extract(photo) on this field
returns h=1 m=13
